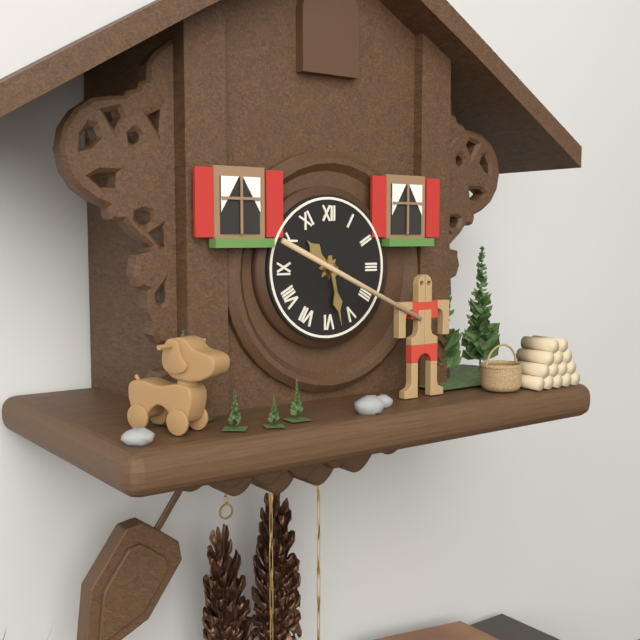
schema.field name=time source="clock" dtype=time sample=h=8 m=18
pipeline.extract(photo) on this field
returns h=10 m=28
